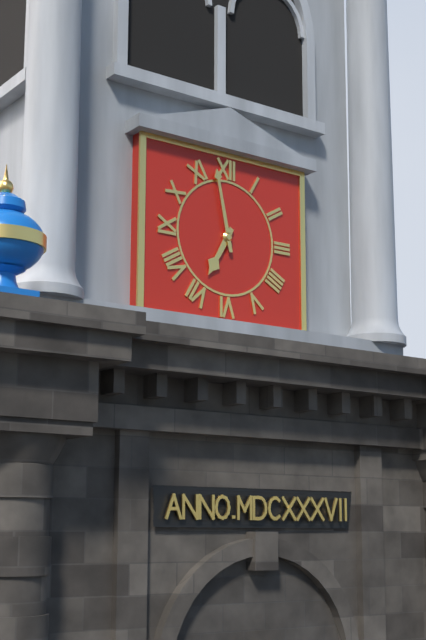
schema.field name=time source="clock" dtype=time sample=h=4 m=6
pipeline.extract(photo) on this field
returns h=6 m=58
